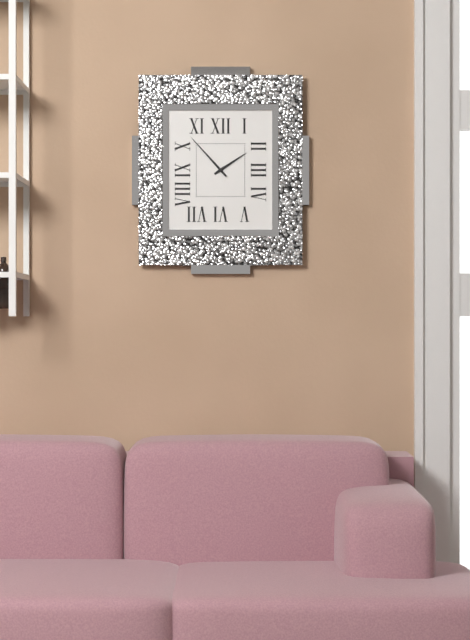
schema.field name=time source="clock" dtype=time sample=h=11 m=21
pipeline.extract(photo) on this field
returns h=1 m=53
